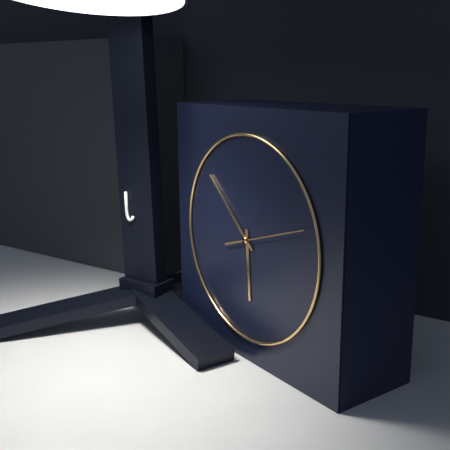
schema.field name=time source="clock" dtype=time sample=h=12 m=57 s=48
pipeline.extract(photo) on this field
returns h=5 m=52 s=12
